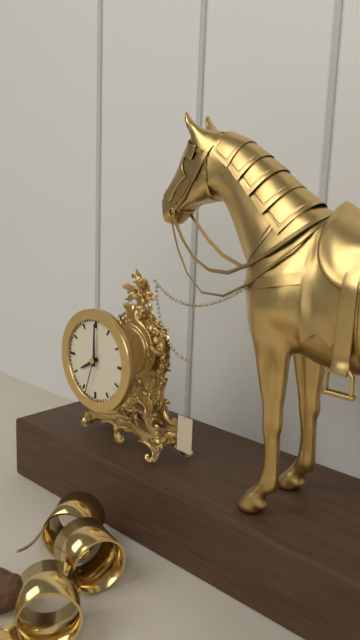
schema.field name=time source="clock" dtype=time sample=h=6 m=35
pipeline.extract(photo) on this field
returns h=8 m=0
